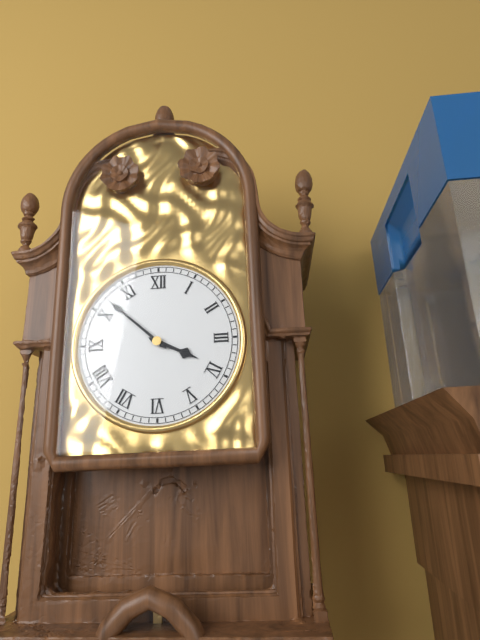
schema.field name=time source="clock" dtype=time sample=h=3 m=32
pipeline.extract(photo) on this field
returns h=3 m=52
